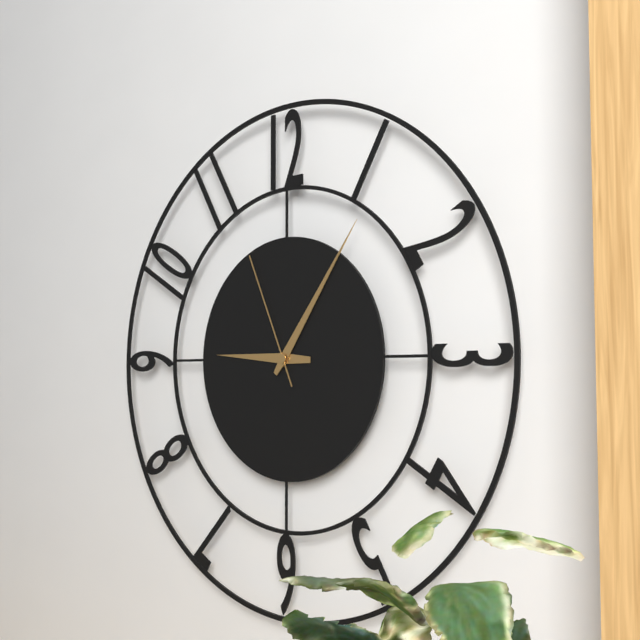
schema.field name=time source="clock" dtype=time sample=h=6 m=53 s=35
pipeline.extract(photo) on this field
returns h=9 m=6 s=56
